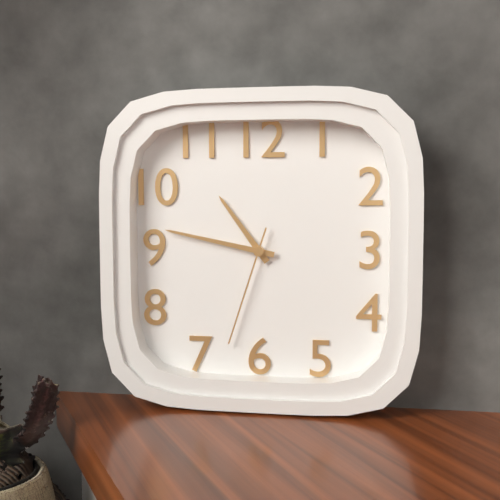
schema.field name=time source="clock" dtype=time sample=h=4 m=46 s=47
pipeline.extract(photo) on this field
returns h=10 m=47 s=33
